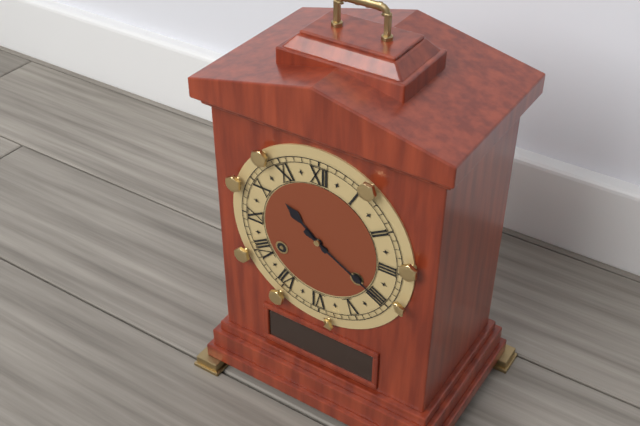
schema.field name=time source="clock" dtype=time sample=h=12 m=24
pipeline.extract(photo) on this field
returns h=10 m=20
